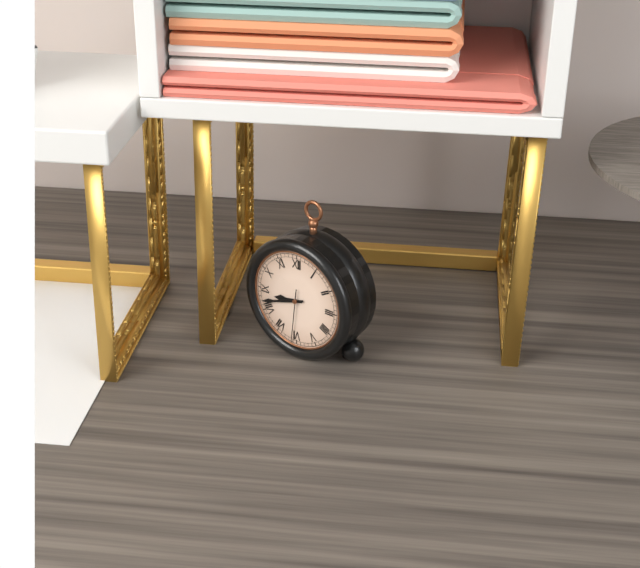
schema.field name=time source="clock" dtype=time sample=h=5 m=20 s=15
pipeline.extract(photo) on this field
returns h=8 m=42 s=31
